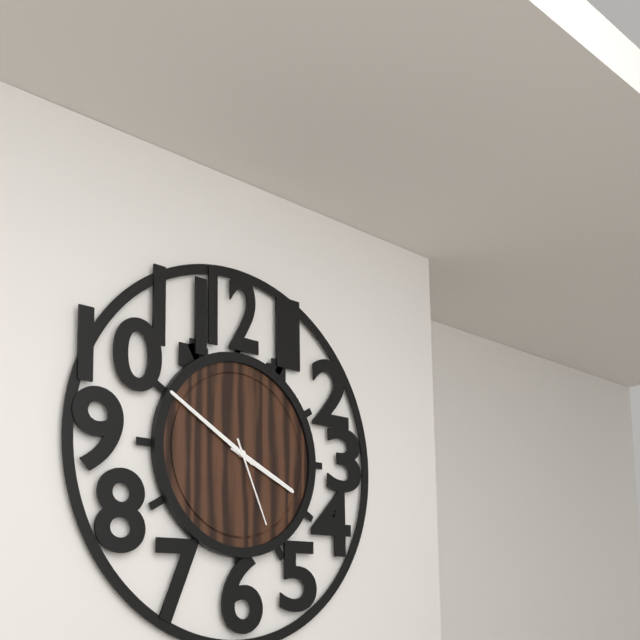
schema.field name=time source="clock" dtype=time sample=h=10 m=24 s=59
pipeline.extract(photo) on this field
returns h=3 m=50 s=26
